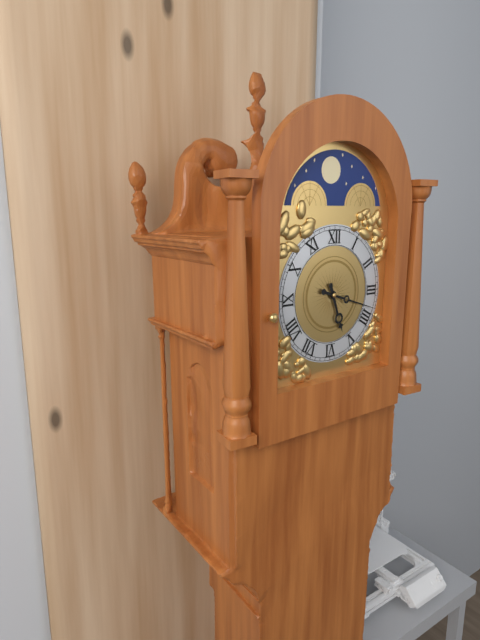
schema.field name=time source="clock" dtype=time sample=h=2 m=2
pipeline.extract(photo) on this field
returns h=5 m=18
